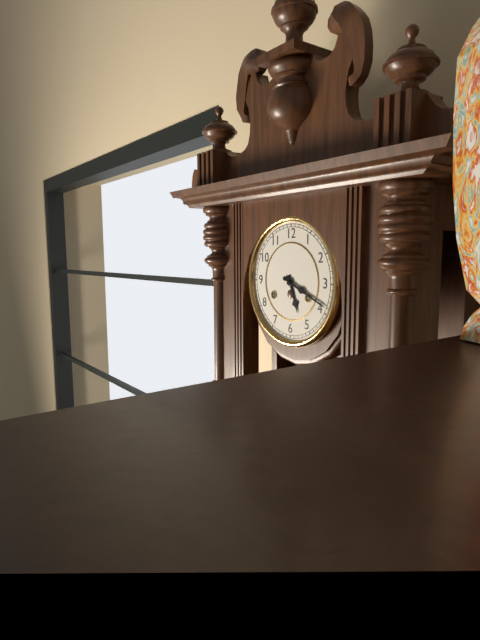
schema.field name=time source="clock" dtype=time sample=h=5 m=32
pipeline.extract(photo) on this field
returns h=5 m=19
